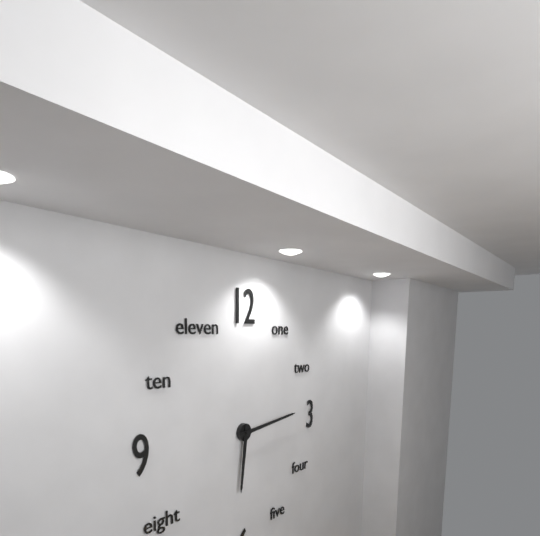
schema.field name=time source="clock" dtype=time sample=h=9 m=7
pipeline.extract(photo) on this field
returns h=6 m=14
